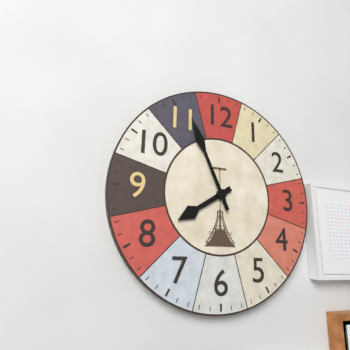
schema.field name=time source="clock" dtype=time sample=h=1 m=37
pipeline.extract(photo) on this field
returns h=7 m=56
